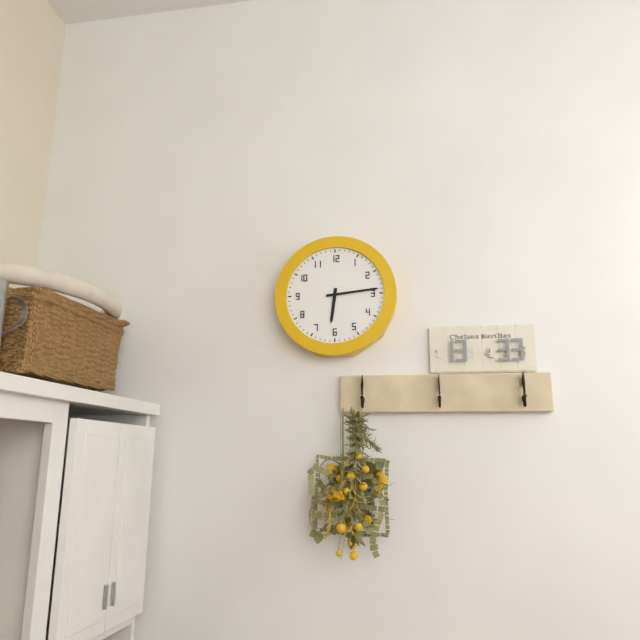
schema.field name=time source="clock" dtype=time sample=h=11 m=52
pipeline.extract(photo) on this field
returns h=6 m=14
